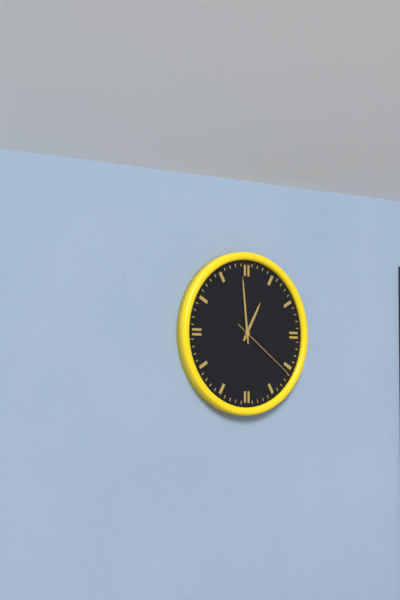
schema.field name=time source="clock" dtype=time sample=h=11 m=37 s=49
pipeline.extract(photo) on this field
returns h=12 m=59 s=21
